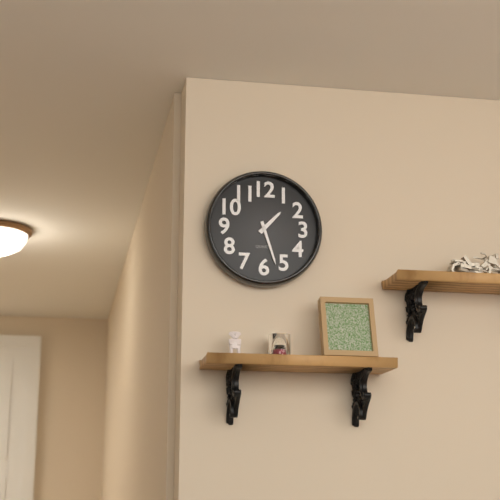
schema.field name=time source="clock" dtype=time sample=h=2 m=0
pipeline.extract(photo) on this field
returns h=1 m=27
